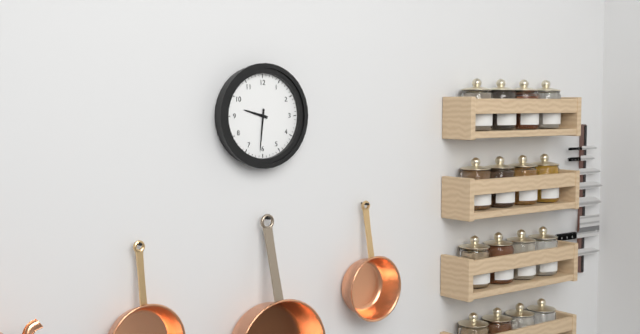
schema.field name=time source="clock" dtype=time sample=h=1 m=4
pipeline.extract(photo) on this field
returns h=9 m=31
